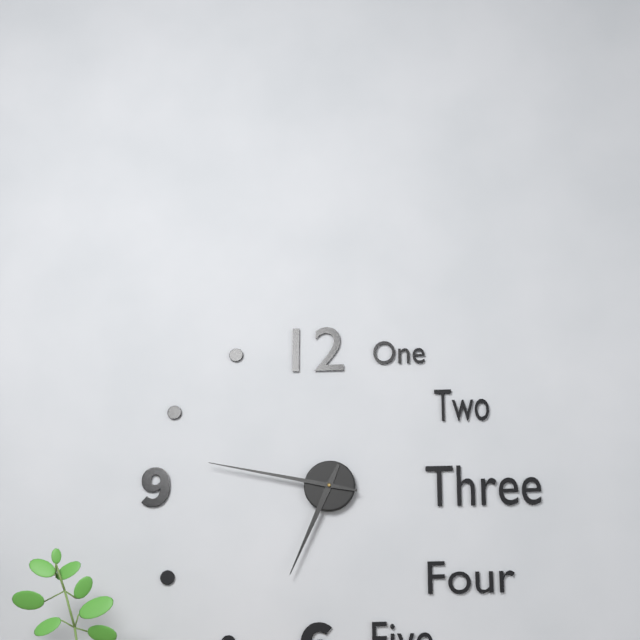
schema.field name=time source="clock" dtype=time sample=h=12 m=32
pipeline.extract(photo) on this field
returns h=6 m=47
